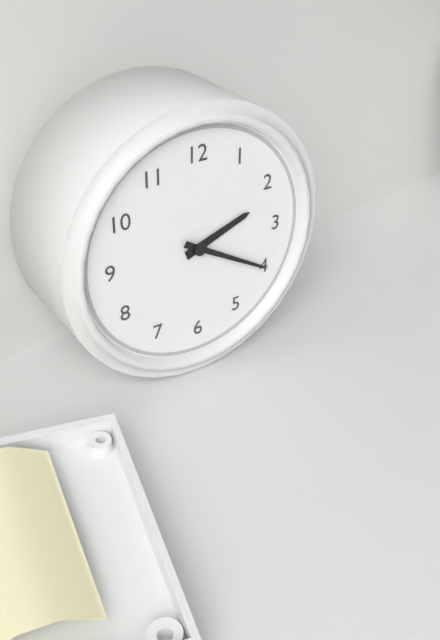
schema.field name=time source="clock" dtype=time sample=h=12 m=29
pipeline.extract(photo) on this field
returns h=2 m=20
